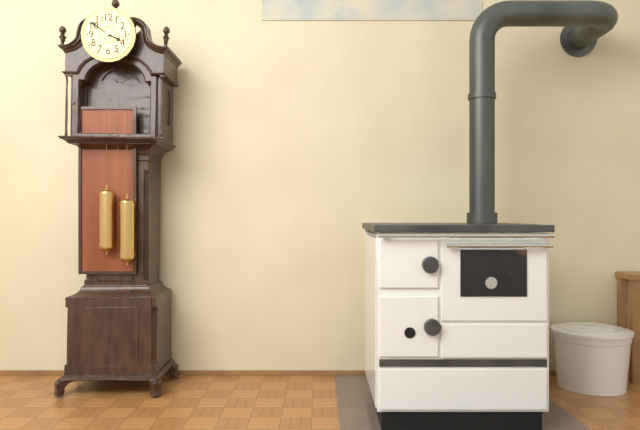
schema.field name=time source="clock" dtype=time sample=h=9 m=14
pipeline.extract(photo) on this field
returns h=3 m=51
